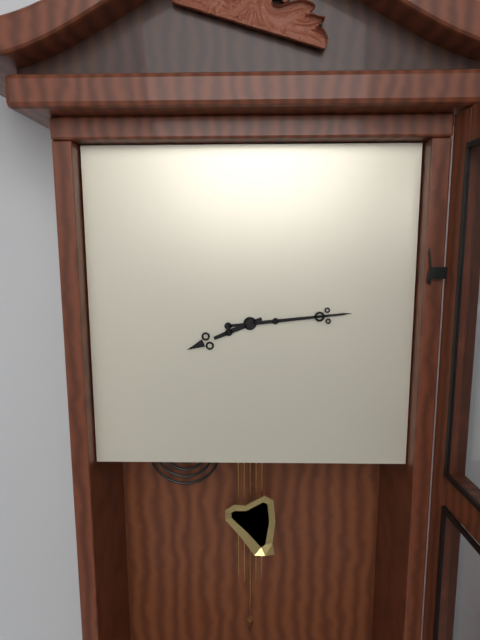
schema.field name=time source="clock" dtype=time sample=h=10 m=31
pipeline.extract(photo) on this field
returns h=8 m=14
